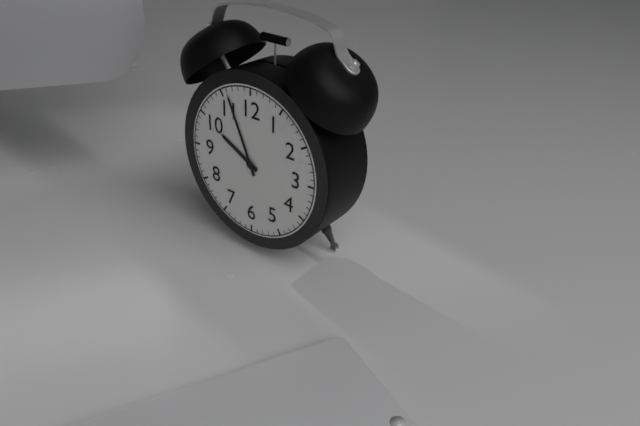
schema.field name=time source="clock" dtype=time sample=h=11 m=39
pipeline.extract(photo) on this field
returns h=9 m=56
